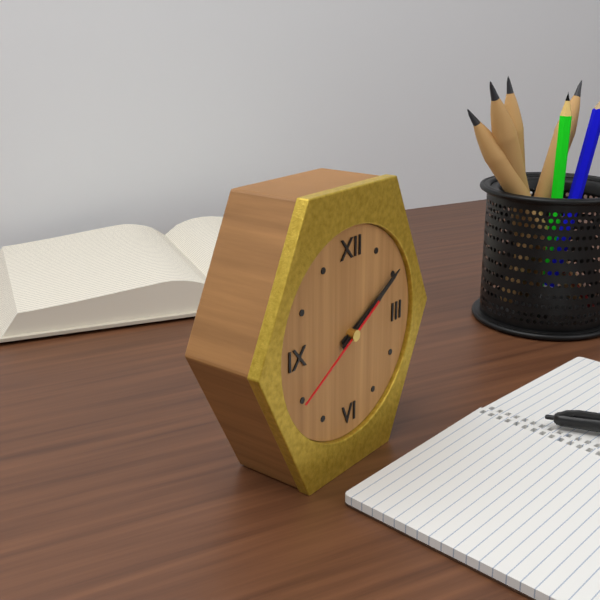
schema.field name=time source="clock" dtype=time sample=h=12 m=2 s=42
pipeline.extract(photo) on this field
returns h=2 m=10 s=40
